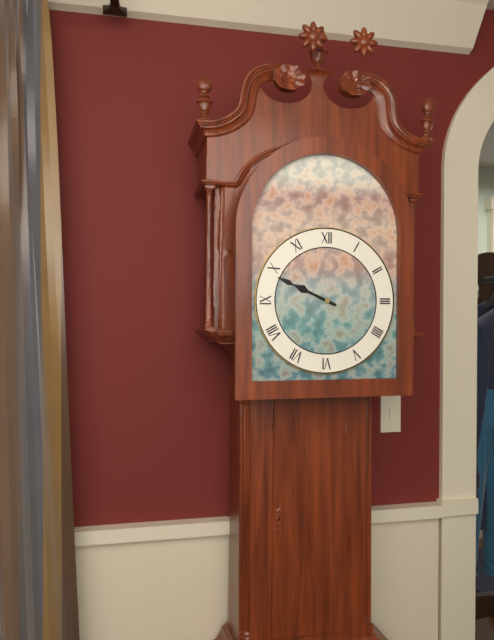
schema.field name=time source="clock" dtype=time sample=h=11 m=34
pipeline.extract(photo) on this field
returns h=9 m=49
